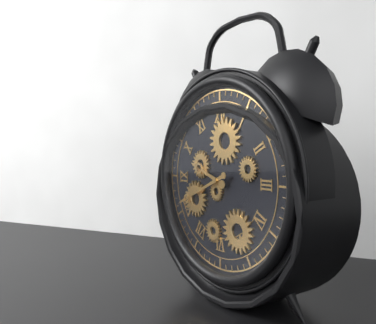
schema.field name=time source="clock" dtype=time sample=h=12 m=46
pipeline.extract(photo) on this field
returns h=9 m=41
